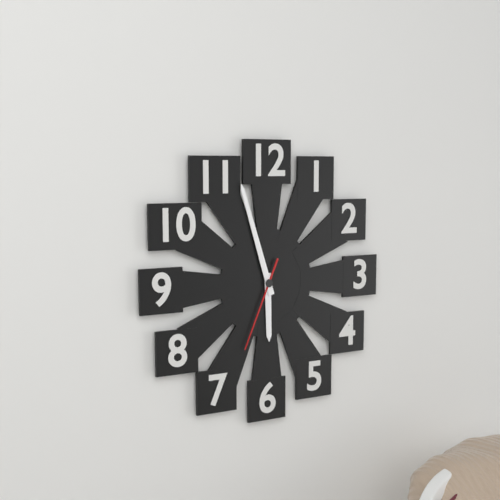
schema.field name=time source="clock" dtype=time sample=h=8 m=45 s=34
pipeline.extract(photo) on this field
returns h=5 m=57 s=34
